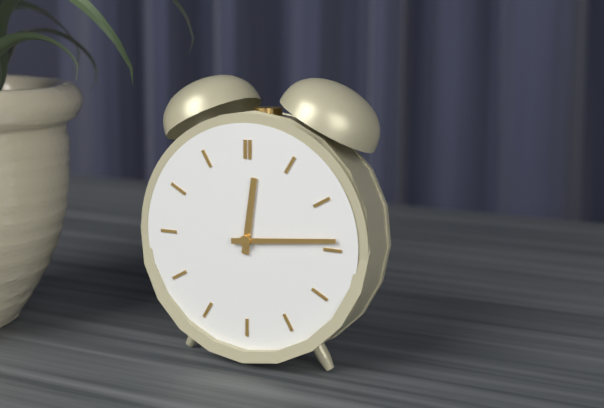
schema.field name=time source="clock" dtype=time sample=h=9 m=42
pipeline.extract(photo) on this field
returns h=12 m=14
